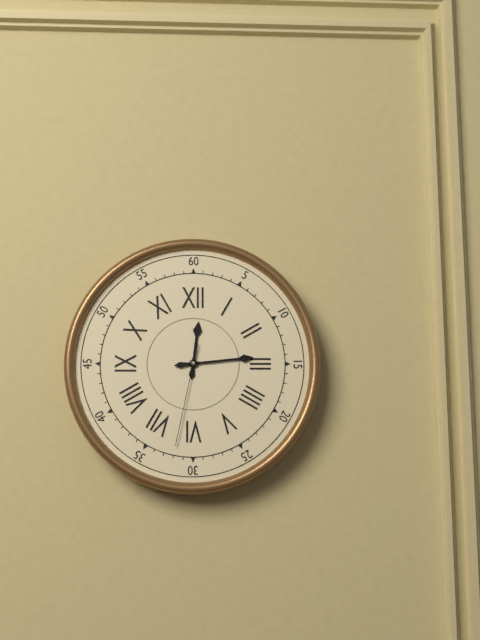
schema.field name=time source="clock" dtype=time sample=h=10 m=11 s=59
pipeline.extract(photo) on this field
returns h=12 m=14 s=32
